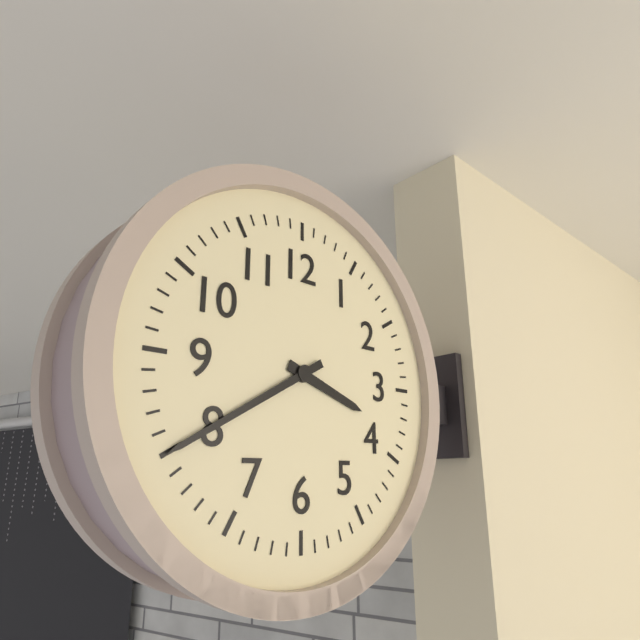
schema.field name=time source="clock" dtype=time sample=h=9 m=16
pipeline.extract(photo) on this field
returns h=3 m=40
